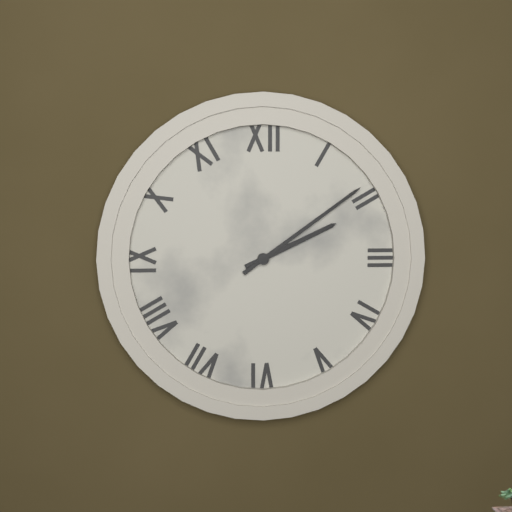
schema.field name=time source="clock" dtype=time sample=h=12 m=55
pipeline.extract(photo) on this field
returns h=2 m=9
